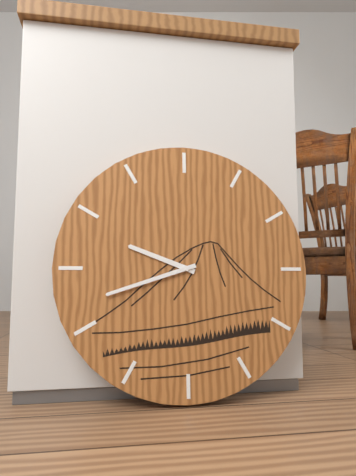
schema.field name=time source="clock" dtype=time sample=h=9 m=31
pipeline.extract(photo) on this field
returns h=9 m=42
